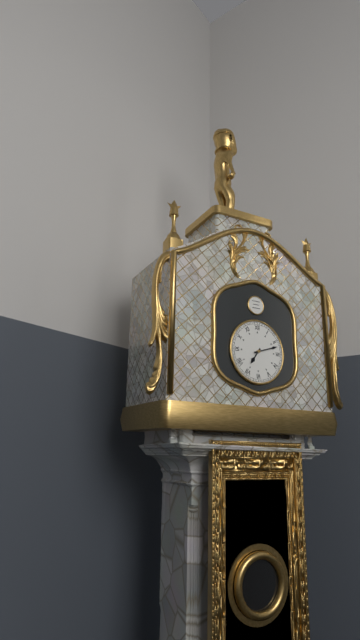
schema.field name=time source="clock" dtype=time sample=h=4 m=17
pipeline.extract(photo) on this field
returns h=7 m=12
